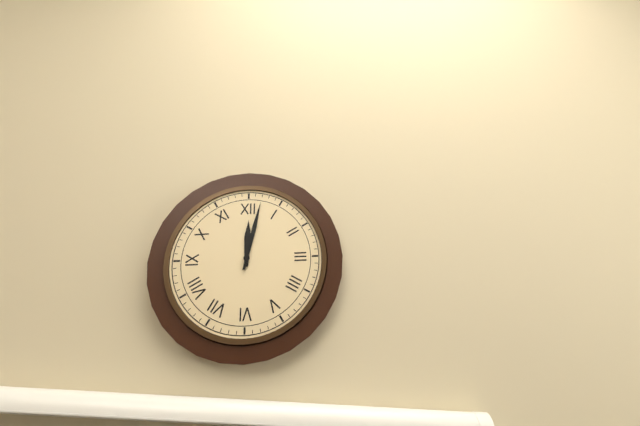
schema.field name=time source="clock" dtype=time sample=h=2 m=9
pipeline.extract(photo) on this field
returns h=12 m=2
